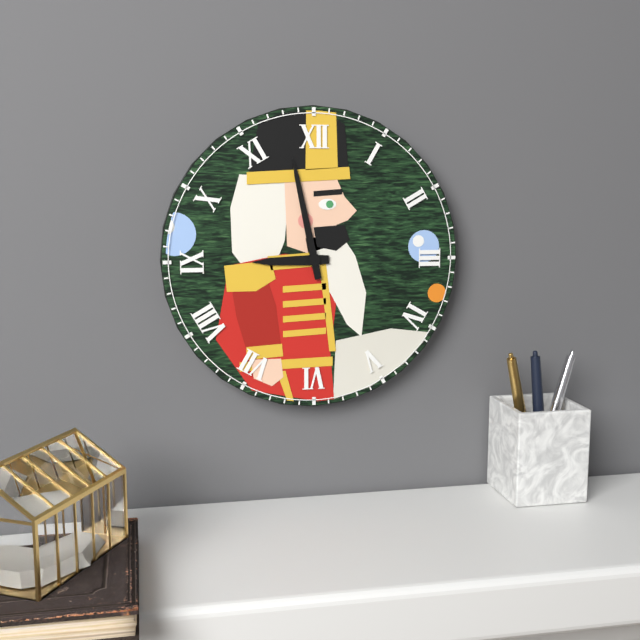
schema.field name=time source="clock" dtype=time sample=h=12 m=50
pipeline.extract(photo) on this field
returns h=8 m=58
